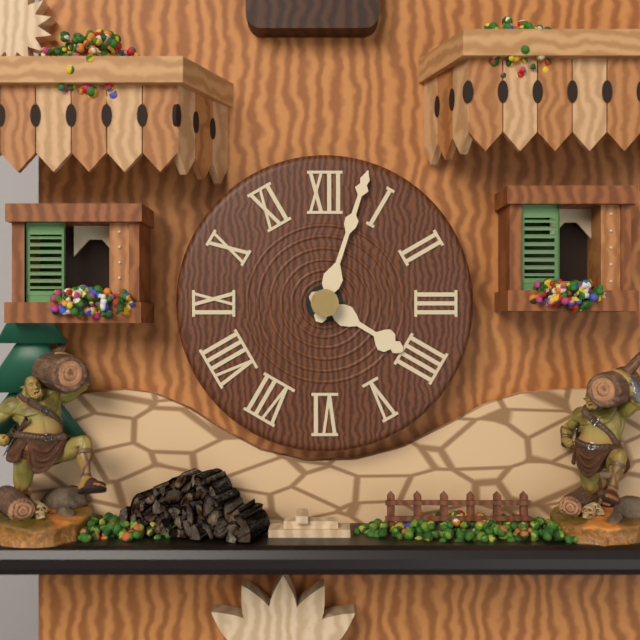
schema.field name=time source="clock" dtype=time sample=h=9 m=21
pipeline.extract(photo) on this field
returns h=4 m=3
